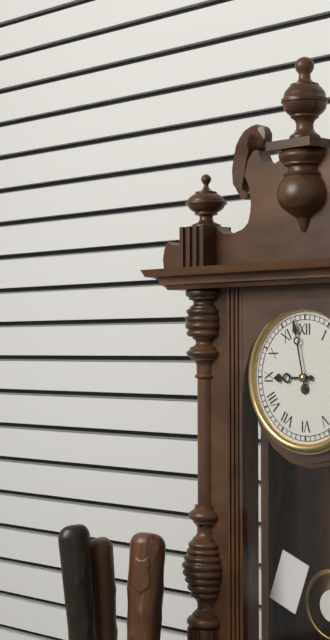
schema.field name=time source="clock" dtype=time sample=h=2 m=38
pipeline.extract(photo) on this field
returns h=8 m=58
